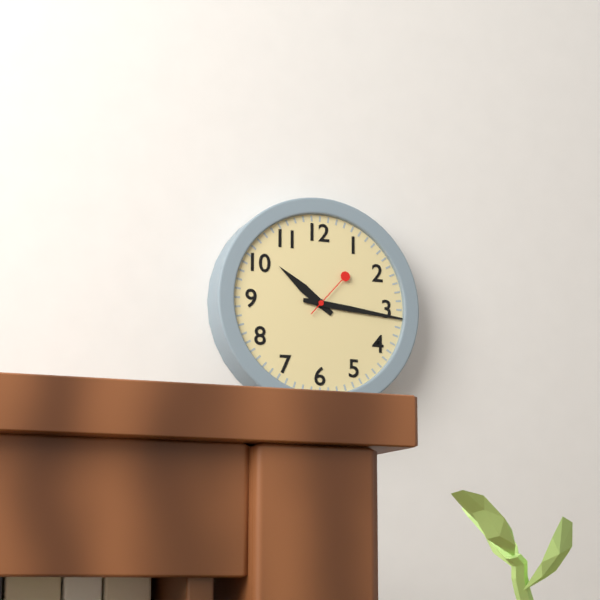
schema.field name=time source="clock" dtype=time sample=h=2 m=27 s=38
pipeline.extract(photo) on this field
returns h=10 m=16 s=7
